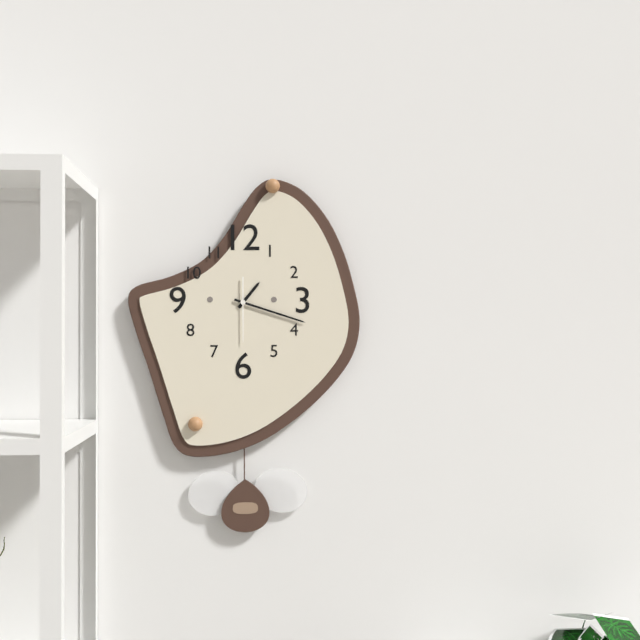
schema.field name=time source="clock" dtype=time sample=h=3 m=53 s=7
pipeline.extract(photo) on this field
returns h=1 m=18 s=30
